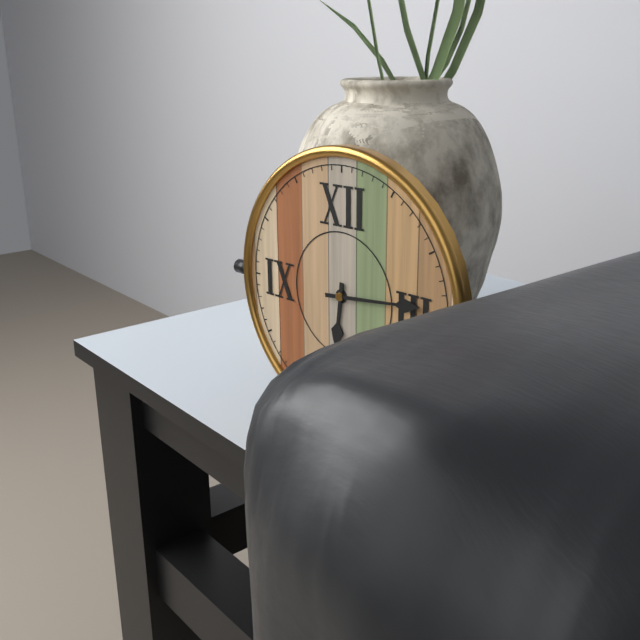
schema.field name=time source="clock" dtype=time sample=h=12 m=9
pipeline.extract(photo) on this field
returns h=6 m=14
